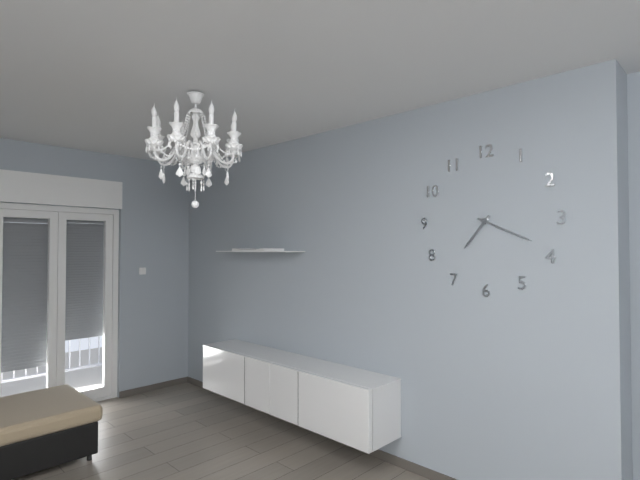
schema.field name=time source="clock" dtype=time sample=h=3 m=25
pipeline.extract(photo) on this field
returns h=7 m=19
